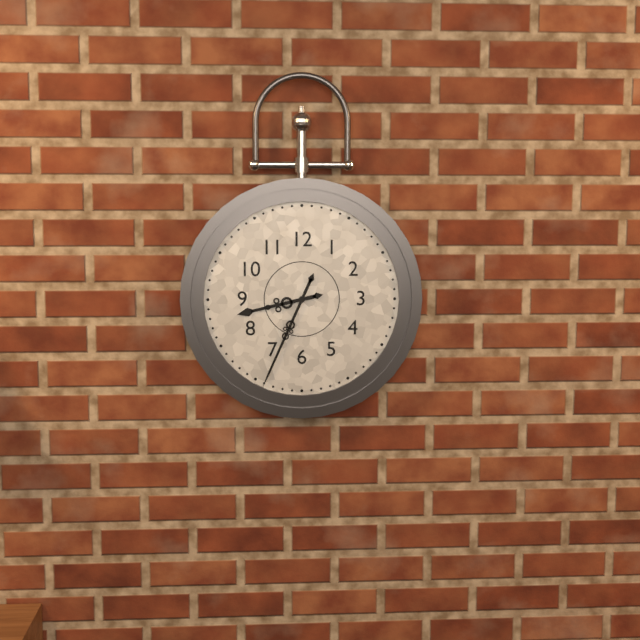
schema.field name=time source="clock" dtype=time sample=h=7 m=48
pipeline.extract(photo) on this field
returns h=8 m=34
